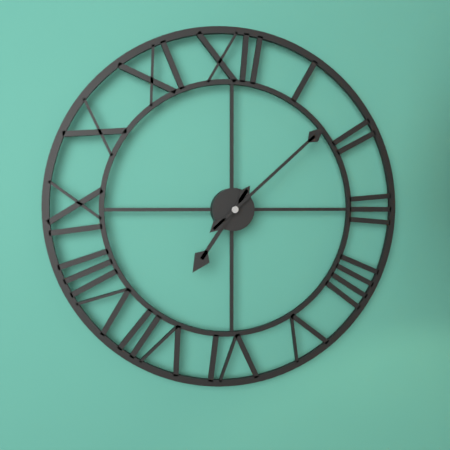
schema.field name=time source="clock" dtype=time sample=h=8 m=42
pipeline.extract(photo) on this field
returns h=7 m=8
